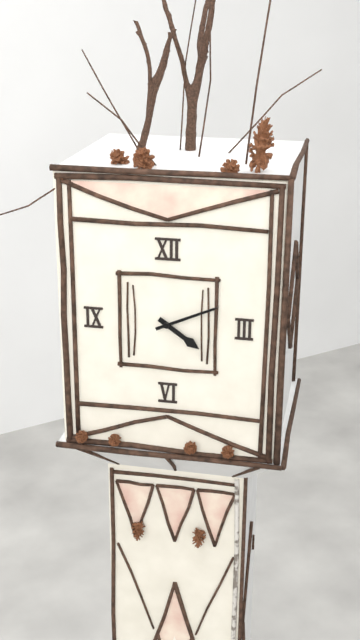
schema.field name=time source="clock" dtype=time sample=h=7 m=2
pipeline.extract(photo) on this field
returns h=4 m=11
